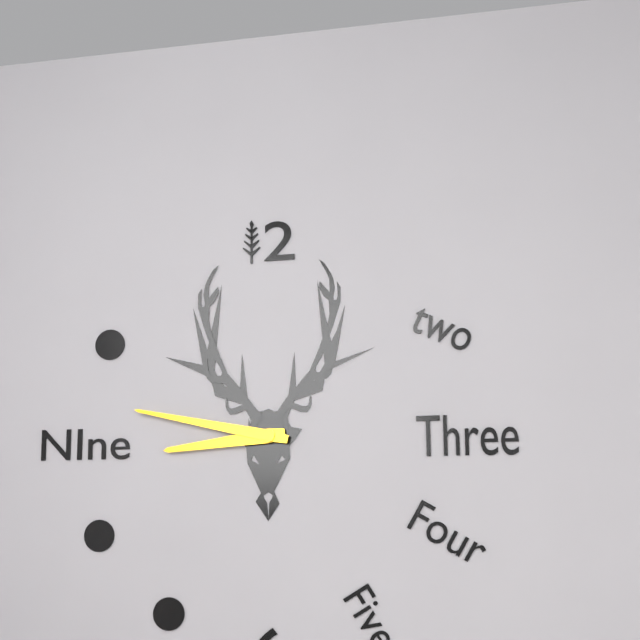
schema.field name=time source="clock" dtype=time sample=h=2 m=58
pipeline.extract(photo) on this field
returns h=8 m=47
